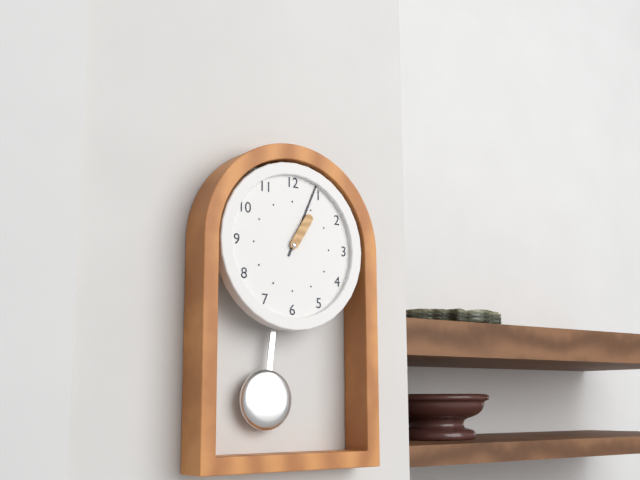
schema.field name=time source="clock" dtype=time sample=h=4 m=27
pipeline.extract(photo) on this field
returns h=1 m=4
